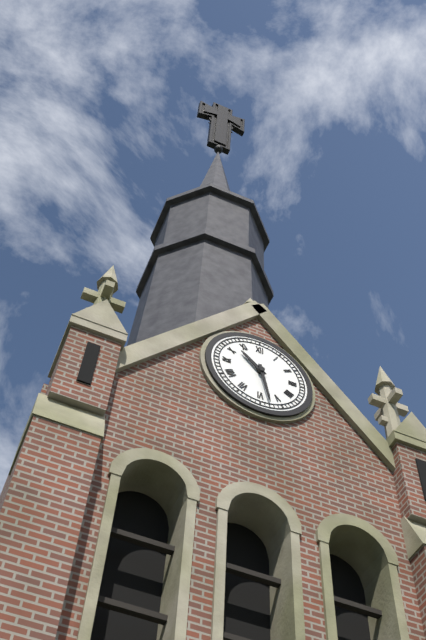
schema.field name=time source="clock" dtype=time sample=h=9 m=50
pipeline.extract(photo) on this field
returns h=10 m=28
